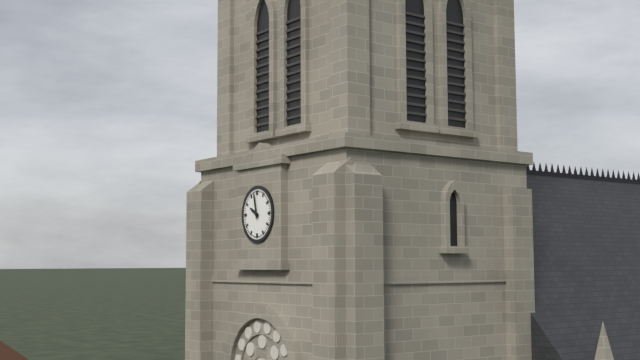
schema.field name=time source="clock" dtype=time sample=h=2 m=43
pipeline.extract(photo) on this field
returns h=9 m=58
